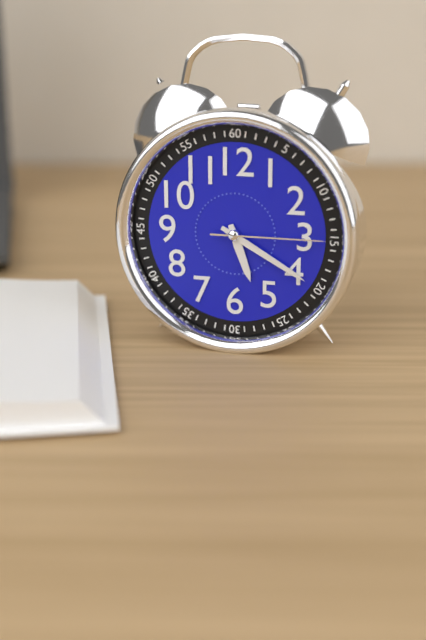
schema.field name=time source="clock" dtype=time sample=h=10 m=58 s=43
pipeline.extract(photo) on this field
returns h=5 m=20 s=15
